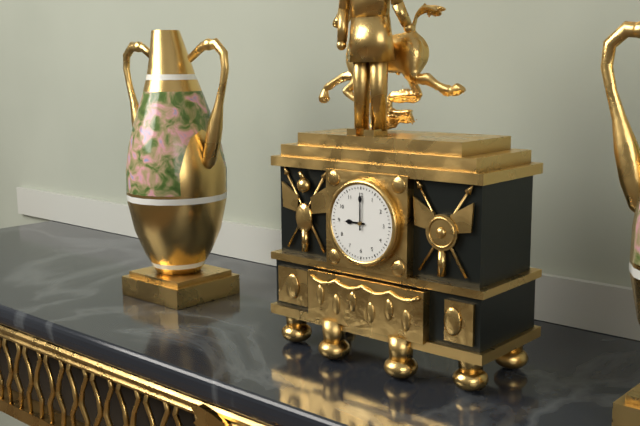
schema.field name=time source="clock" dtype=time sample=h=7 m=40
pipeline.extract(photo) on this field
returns h=9 m=0
